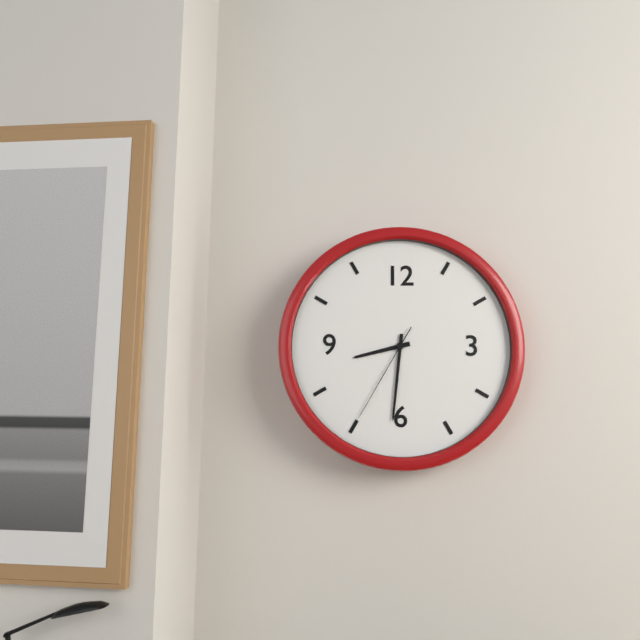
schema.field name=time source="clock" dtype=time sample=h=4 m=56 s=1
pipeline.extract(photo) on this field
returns h=8 m=31 s=35
